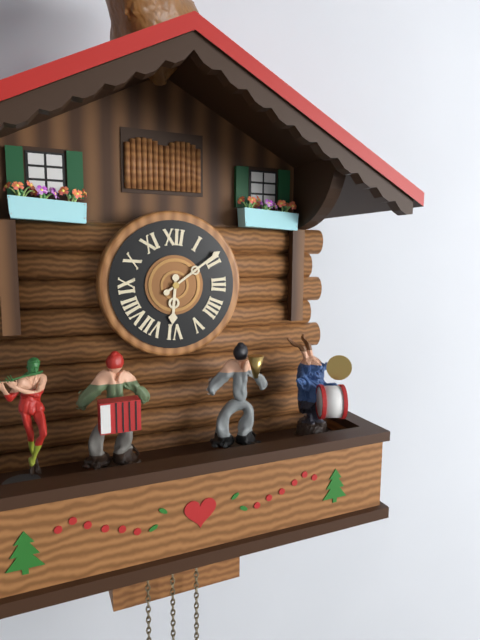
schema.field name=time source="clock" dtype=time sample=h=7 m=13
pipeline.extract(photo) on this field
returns h=6 m=9
